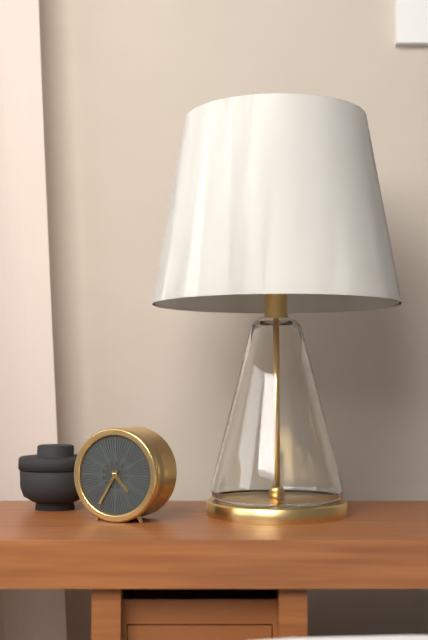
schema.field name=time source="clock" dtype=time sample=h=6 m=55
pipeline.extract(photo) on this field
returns h=4 m=35
